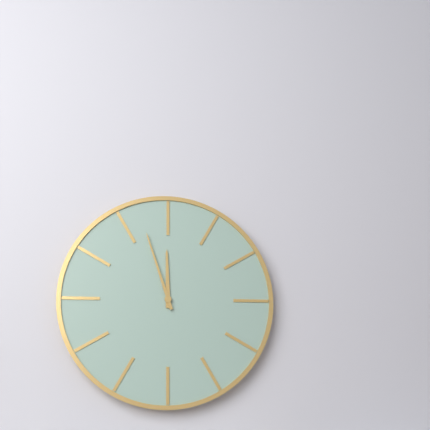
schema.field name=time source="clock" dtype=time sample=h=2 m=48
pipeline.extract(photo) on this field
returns h=11 m=57
